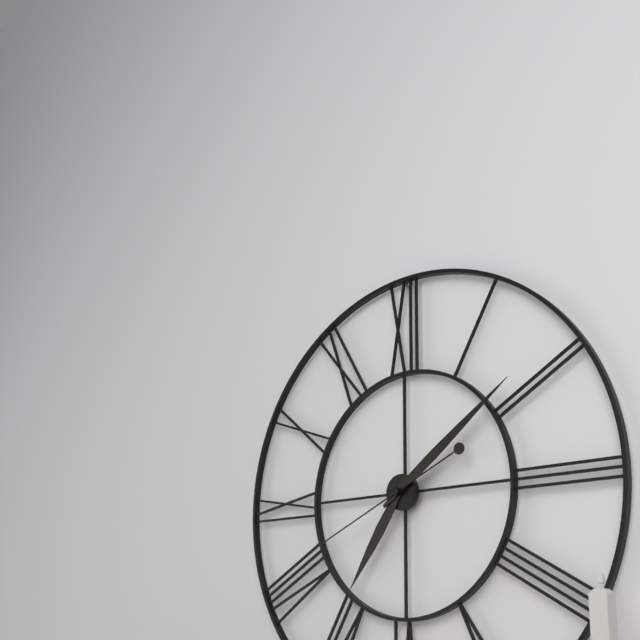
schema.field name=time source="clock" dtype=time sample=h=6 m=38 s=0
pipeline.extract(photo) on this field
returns h=7 m=9 s=41
